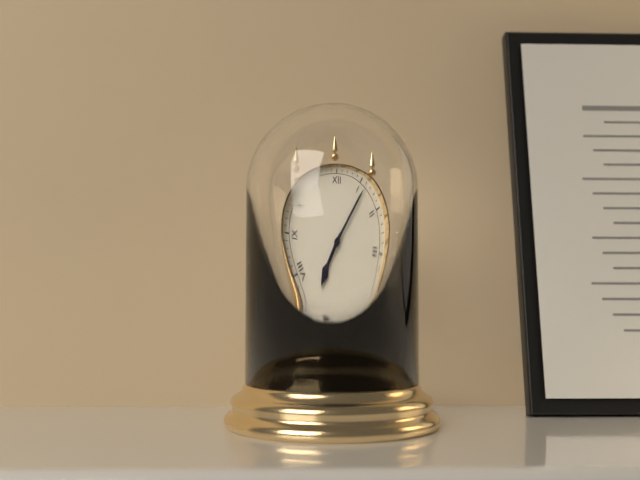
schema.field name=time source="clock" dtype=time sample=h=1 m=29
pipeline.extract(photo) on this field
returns h=7 m=6
